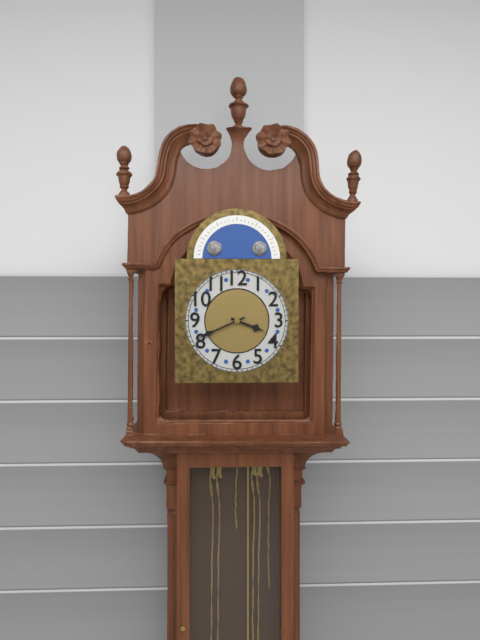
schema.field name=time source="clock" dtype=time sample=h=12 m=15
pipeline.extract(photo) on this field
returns h=3 m=41
